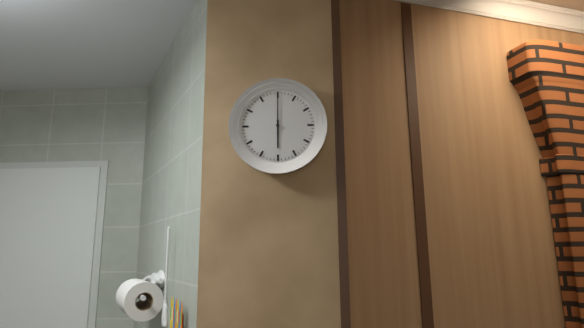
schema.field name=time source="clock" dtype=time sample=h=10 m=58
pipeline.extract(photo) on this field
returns h=6 m=0
